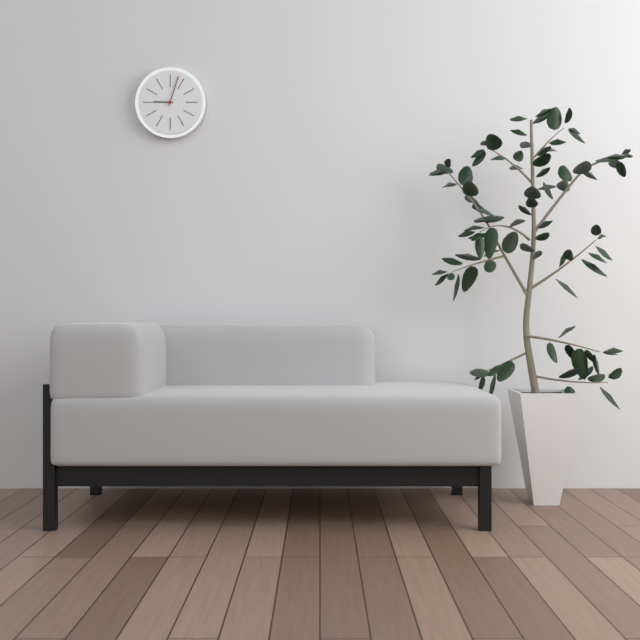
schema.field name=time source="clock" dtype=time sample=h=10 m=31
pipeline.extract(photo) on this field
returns h=9 m=3
